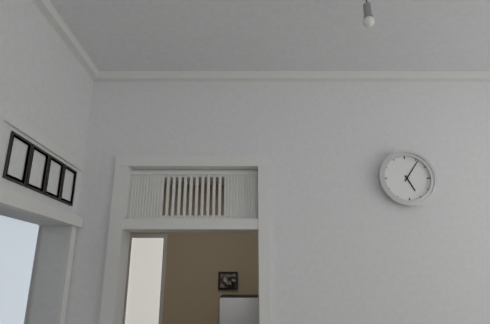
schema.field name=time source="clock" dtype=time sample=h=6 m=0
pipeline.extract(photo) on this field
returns h=5 m=6
